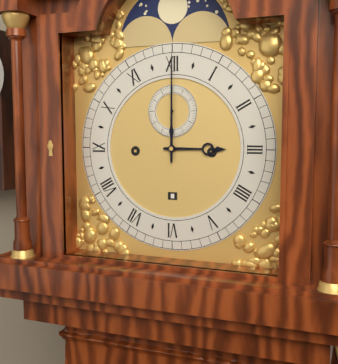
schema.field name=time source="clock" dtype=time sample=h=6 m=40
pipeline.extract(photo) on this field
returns h=3 m=0
